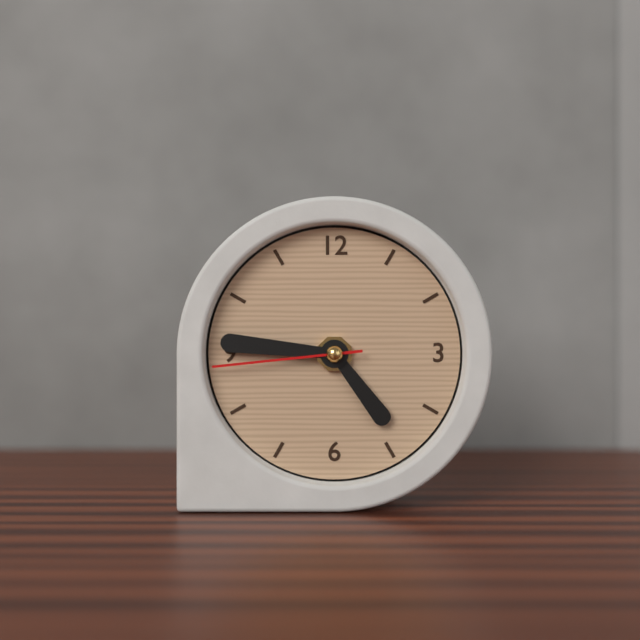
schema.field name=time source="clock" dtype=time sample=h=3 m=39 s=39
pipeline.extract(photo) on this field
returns h=4 m=46 s=44
